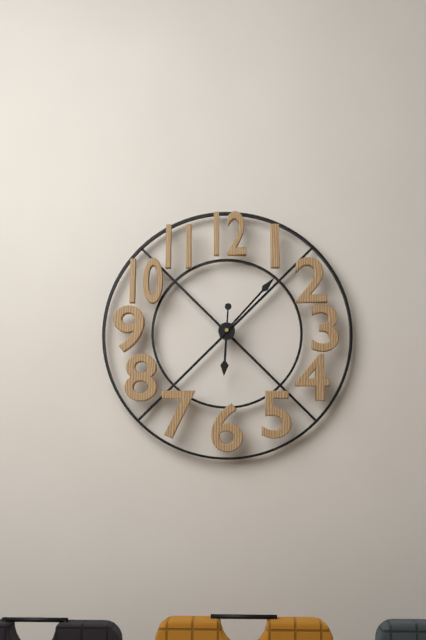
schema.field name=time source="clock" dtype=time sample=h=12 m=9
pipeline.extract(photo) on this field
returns h=6 m=7
